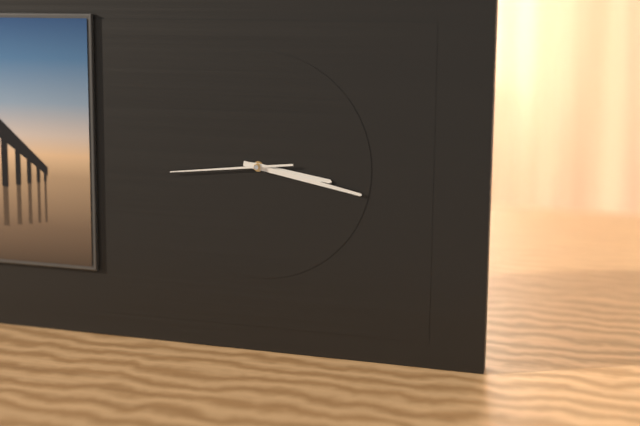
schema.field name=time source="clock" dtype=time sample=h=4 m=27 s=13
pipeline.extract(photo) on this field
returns h=3 m=17 s=44
